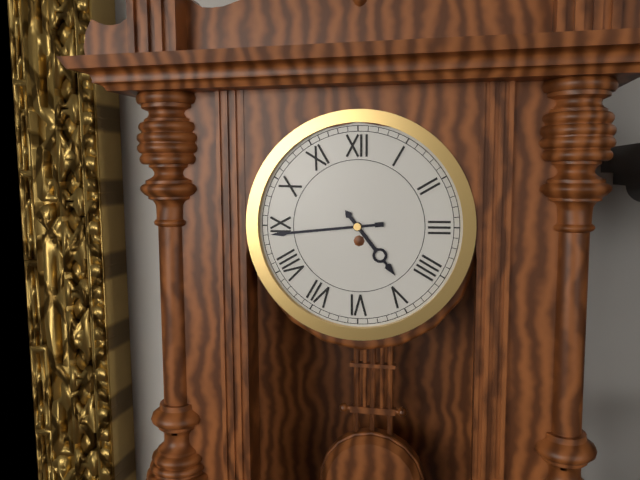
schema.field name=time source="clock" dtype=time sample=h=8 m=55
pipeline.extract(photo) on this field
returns h=4 m=44
